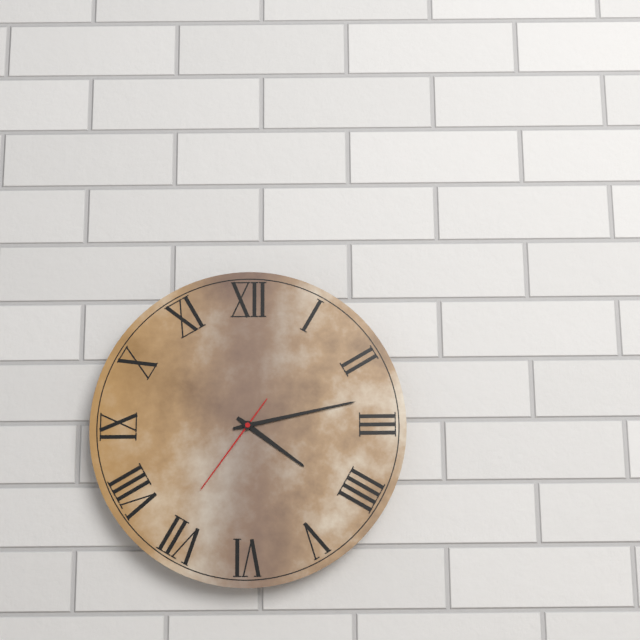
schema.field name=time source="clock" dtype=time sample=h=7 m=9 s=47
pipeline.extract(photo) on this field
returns h=4 m=13 s=36
